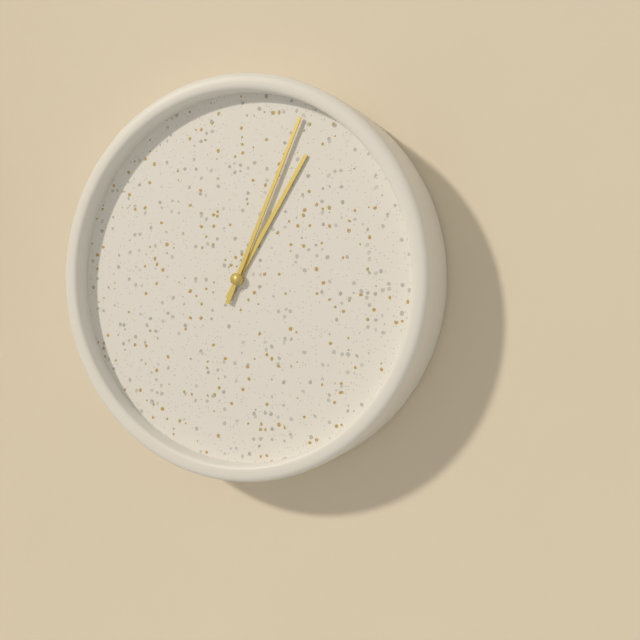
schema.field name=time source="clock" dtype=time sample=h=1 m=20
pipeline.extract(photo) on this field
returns h=1 m=4
